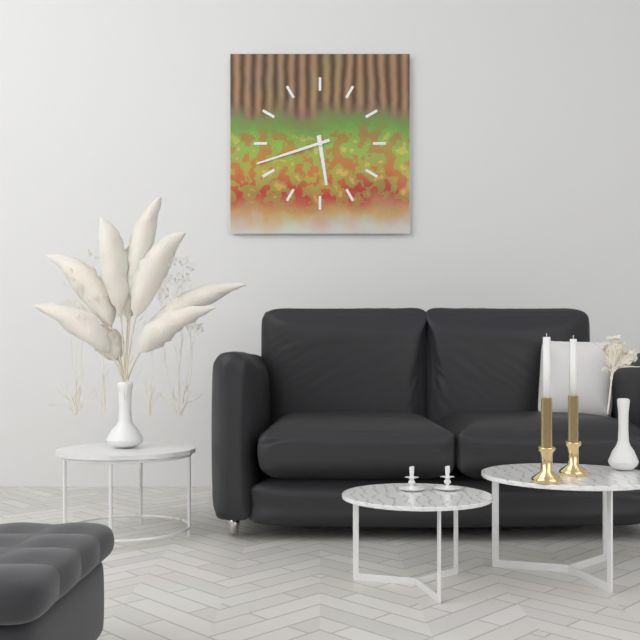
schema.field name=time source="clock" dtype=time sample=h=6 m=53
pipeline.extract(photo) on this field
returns h=5 m=42
